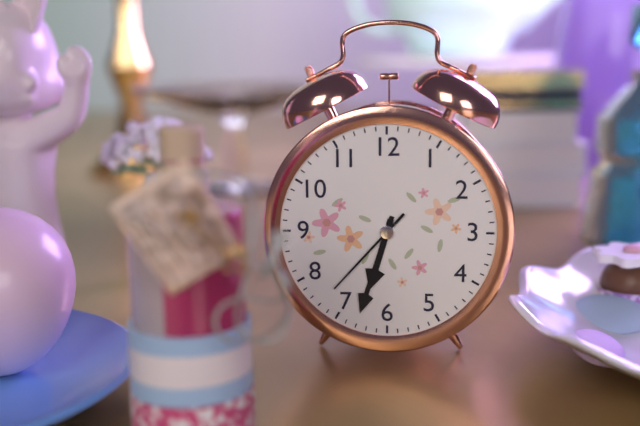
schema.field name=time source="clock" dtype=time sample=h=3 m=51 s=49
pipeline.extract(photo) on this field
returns h=6 m=33 s=37
